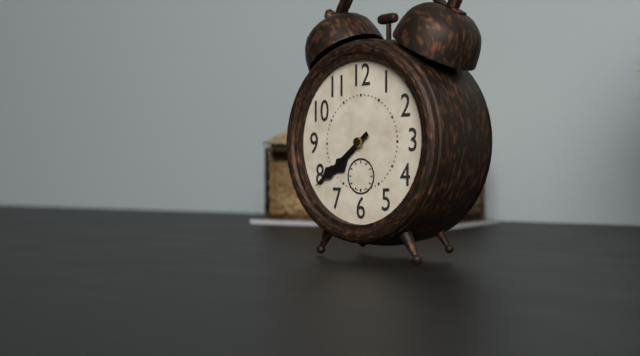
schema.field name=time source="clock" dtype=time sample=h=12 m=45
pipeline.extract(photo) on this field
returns h=7 m=39
